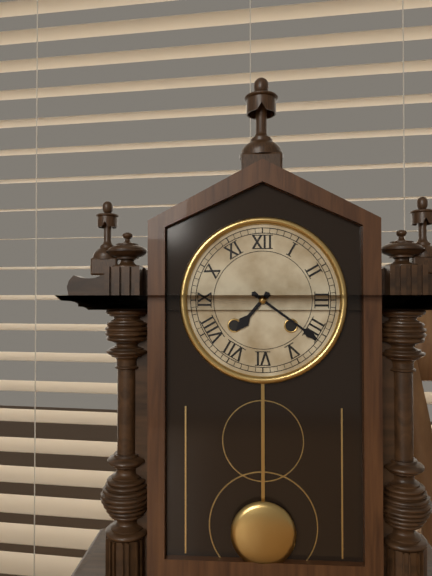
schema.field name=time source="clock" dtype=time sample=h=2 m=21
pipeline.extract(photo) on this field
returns h=7 m=21
